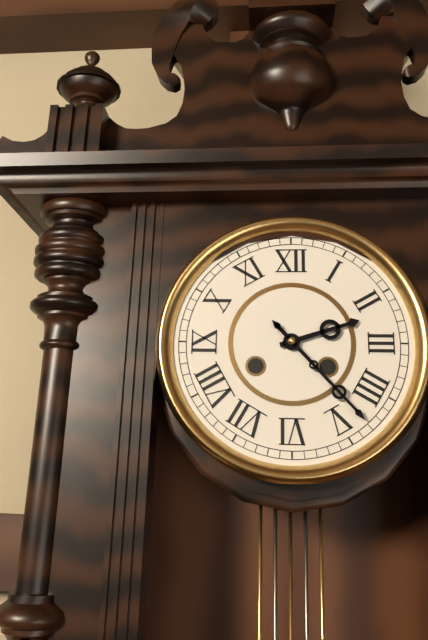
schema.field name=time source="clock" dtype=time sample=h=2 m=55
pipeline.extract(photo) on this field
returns h=2 m=23
